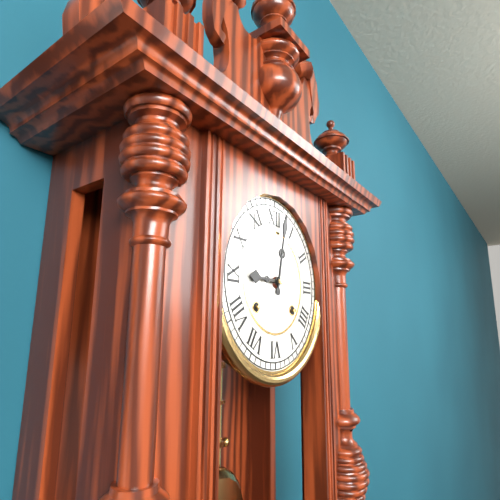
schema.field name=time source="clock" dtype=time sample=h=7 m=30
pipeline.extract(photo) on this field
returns h=9 m=2
